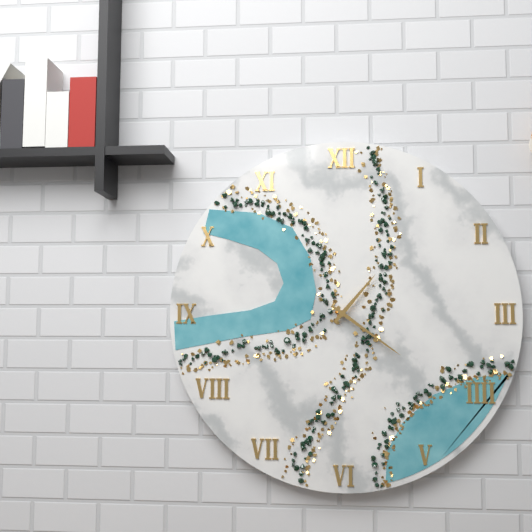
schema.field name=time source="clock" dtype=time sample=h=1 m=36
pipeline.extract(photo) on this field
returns h=1 m=21
